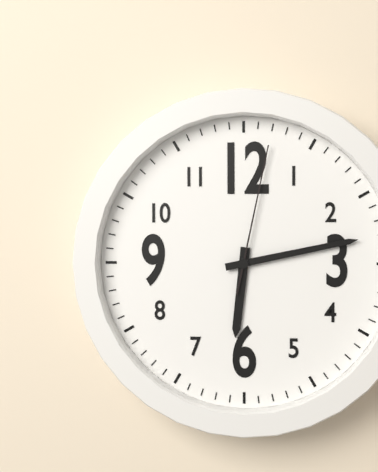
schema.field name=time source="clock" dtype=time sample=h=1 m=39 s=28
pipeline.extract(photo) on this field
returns h=6 m=13 s=2
